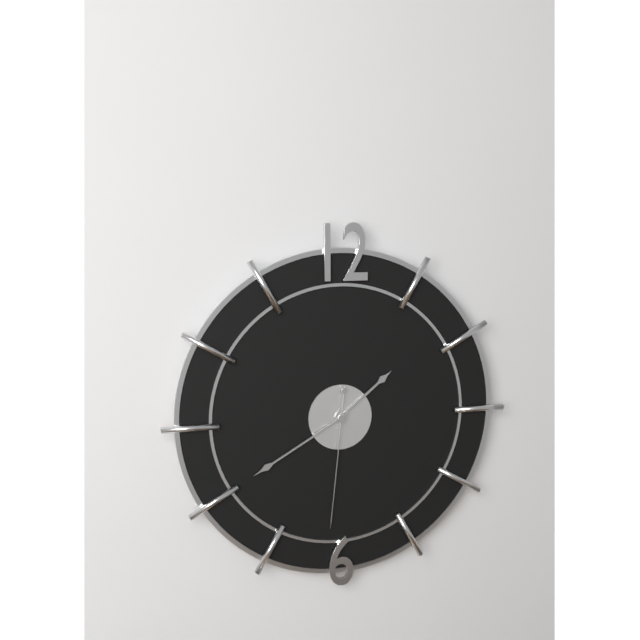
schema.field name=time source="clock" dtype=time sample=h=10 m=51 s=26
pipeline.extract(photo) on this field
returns h=1 m=40 s=31
